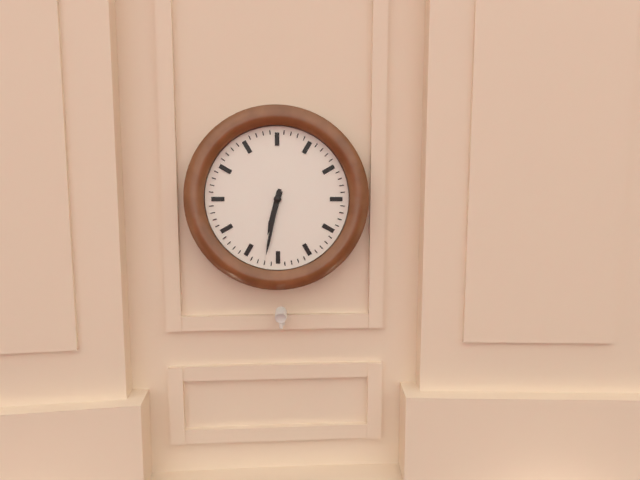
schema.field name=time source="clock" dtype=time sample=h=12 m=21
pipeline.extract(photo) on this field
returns h=6 m=32
